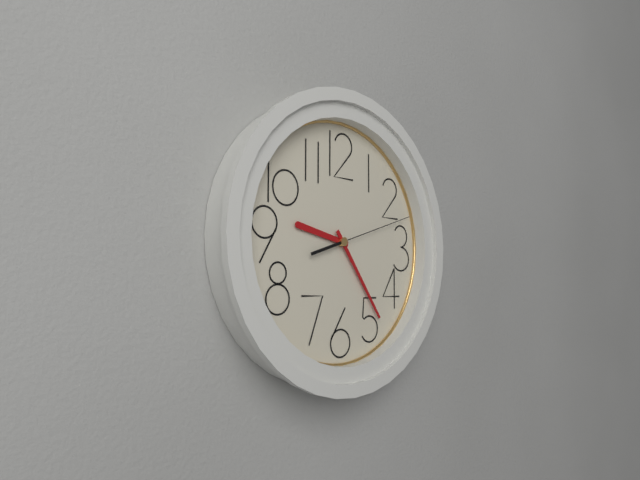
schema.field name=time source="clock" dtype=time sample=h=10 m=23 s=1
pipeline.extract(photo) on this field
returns h=9 m=24 s=12
